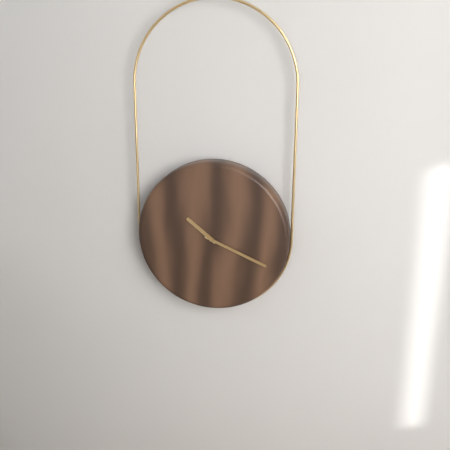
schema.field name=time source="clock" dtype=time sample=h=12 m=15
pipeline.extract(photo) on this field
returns h=10 m=19
